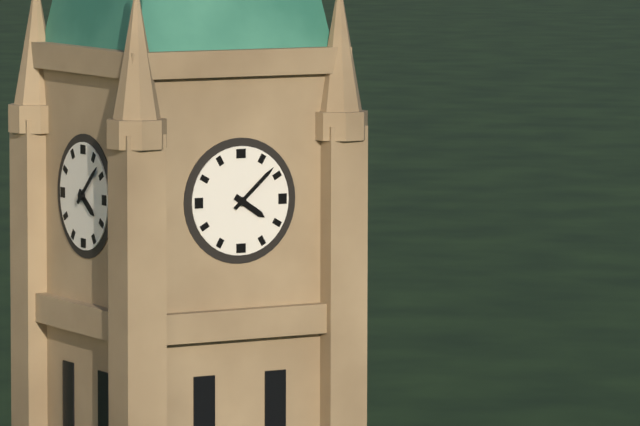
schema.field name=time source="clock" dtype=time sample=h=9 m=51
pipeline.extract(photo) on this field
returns h=4 m=8
